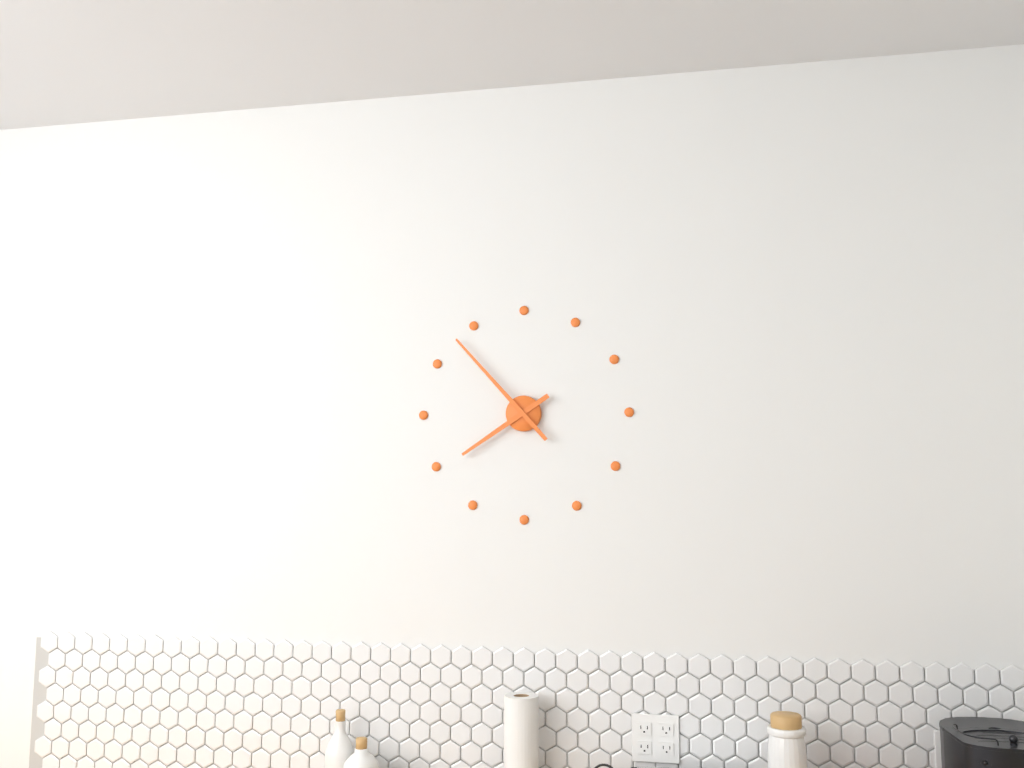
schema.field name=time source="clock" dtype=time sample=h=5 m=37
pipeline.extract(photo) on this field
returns h=7 m=53
